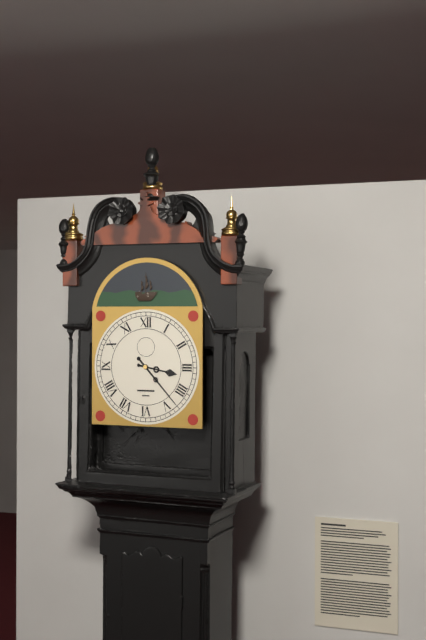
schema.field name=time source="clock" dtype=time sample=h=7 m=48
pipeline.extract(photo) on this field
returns h=3 m=23
